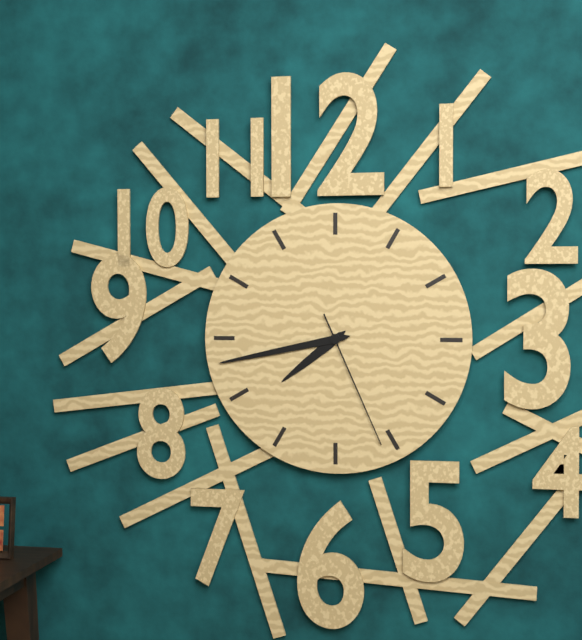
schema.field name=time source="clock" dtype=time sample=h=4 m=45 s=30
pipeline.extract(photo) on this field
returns h=7 m=43 s=26
